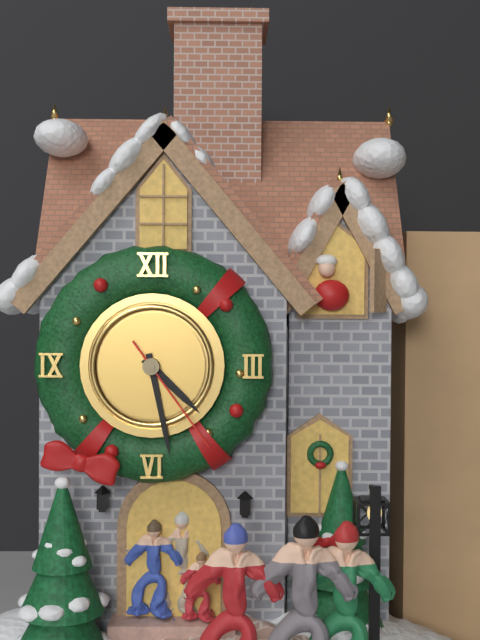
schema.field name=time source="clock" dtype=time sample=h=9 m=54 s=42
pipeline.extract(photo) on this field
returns h=4 m=28 s=24
